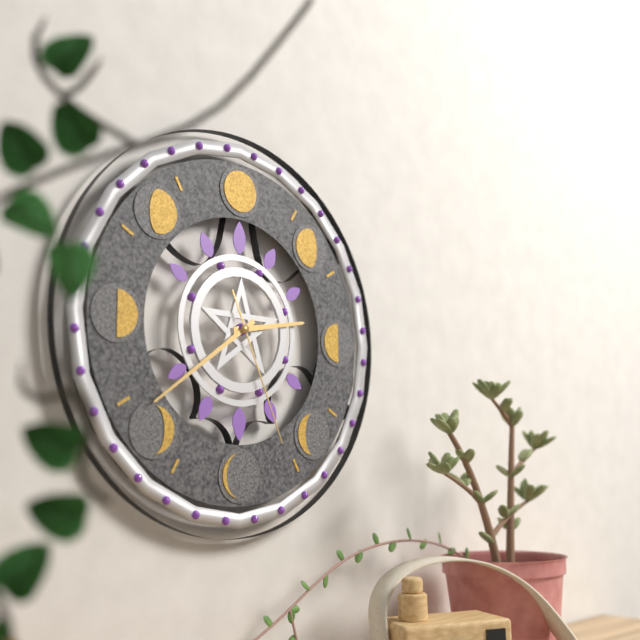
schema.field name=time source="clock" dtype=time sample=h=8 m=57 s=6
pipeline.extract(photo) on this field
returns h=2 m=39 s=26
